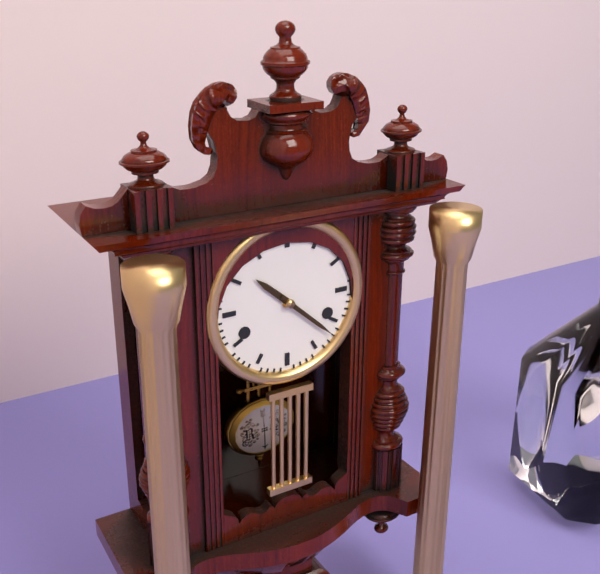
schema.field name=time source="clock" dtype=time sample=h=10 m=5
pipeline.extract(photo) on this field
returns h=10 m=22
